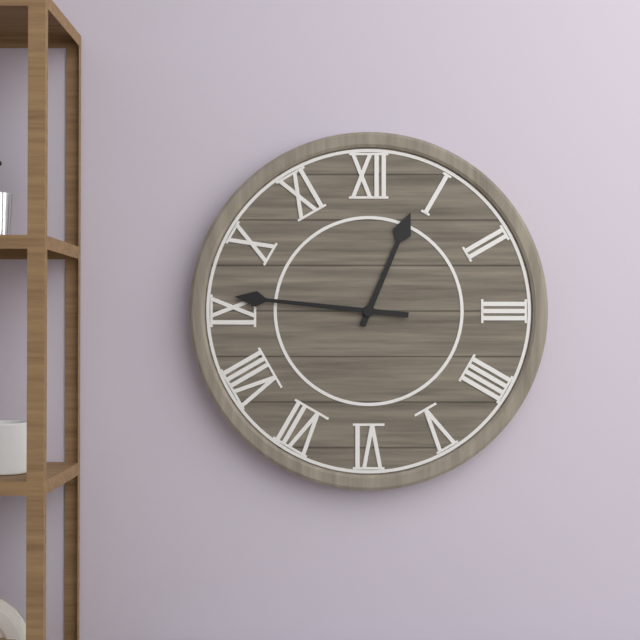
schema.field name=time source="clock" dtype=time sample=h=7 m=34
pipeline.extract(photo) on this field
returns h=12 m=46
